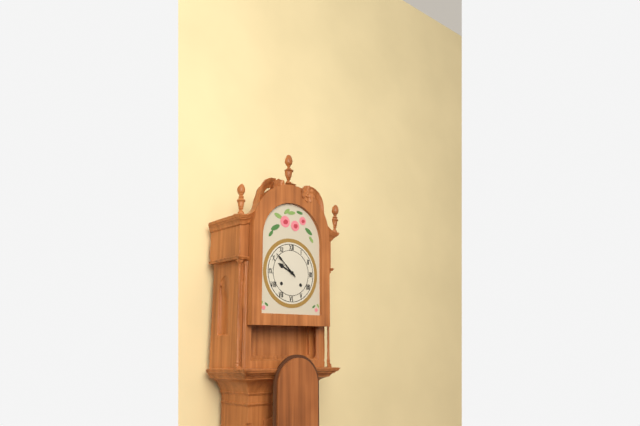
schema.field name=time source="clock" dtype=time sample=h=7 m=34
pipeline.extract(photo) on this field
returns h=9 m=52
